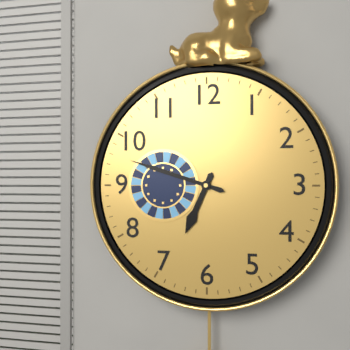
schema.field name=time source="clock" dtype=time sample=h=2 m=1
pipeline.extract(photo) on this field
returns h=6 m=48
